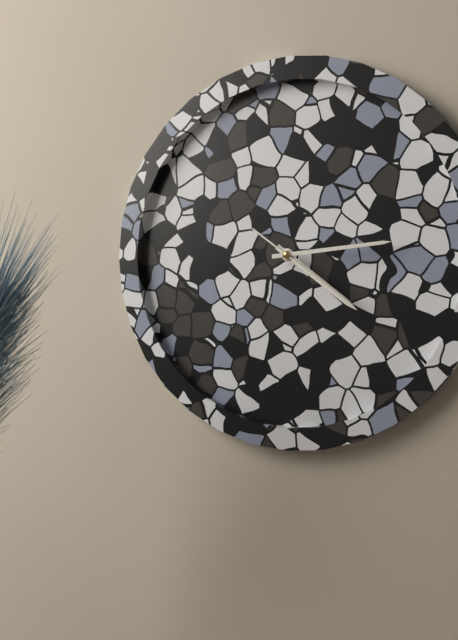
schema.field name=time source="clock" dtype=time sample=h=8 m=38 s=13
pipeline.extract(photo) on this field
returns h=4 m=14 s=21
